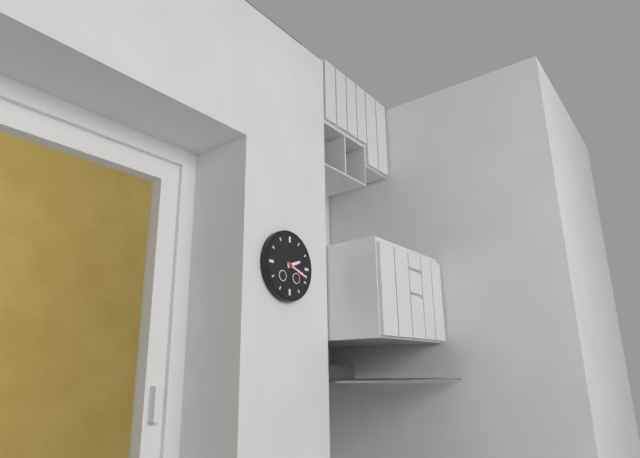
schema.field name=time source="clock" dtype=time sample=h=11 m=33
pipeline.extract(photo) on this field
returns h=2 m=18
